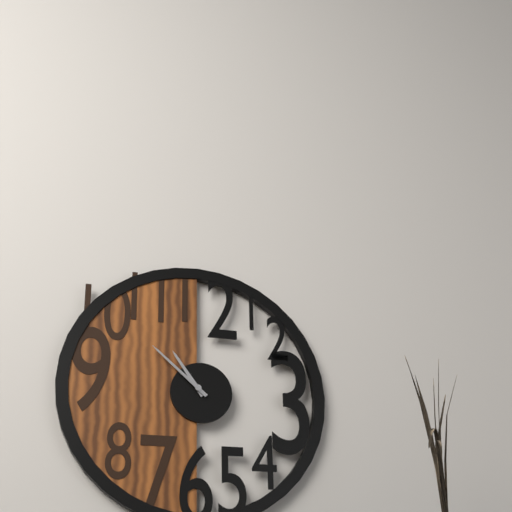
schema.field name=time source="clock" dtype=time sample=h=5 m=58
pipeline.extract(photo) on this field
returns h=10 m=52
